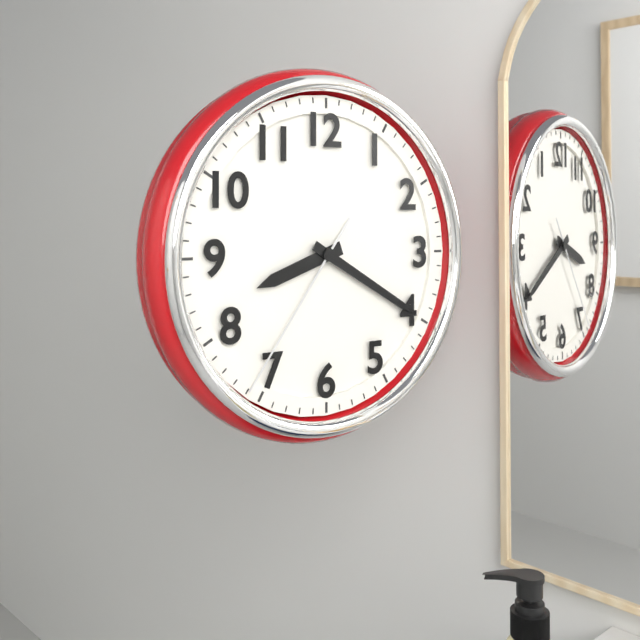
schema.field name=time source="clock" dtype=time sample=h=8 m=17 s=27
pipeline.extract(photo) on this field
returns h=8 m=20 s=36
